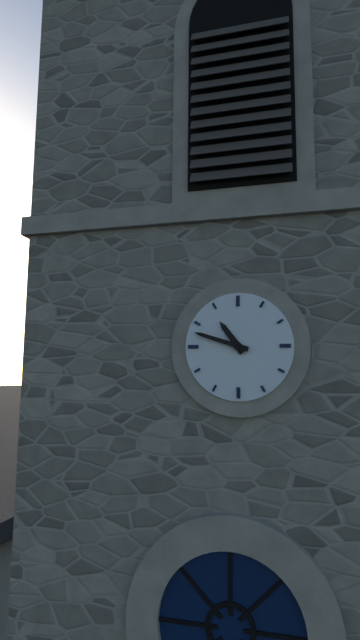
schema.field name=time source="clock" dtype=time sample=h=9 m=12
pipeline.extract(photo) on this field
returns h=10 m=48
